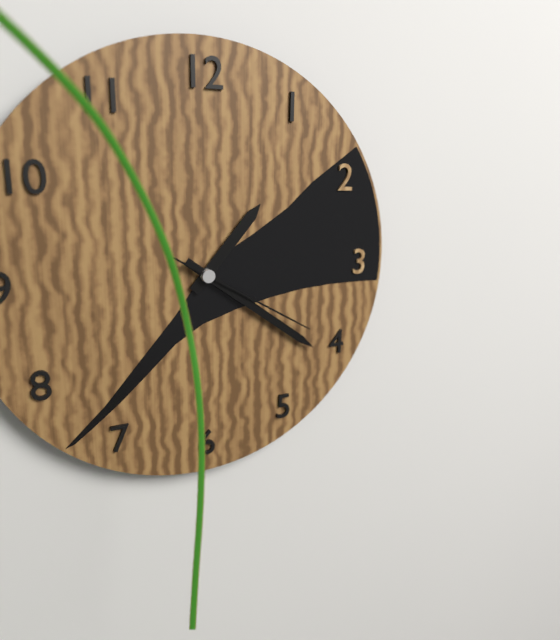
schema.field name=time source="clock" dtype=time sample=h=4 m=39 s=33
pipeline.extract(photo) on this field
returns h=1 m=21 s=20
